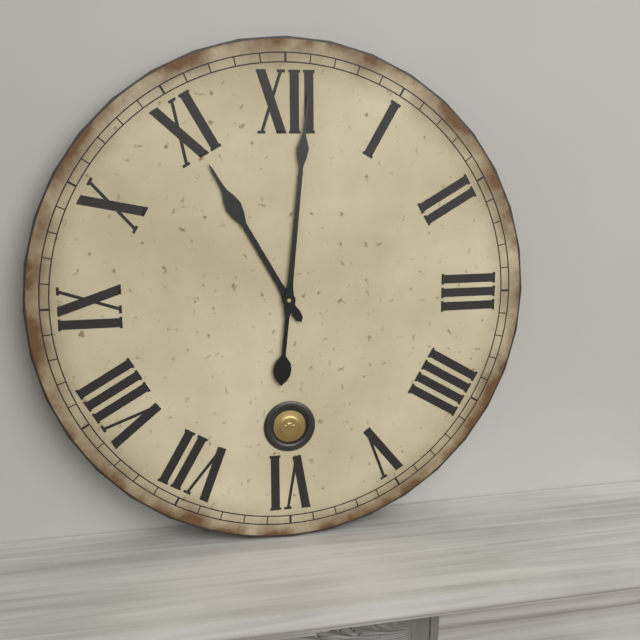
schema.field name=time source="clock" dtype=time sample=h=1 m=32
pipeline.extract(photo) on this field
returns h=11 m=1
